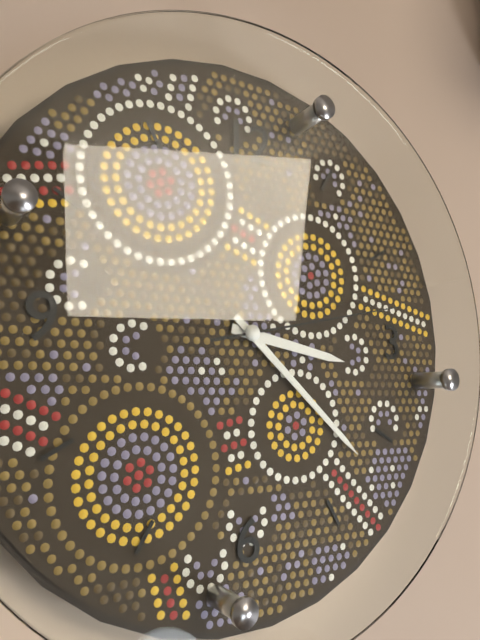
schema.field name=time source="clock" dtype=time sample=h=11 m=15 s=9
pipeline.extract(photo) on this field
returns h=3 m=22 s=13
